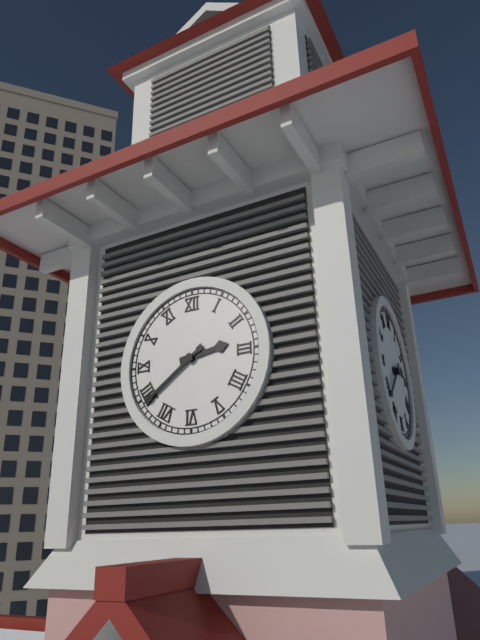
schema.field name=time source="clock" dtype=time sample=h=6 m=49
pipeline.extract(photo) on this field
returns h=2 m=39
